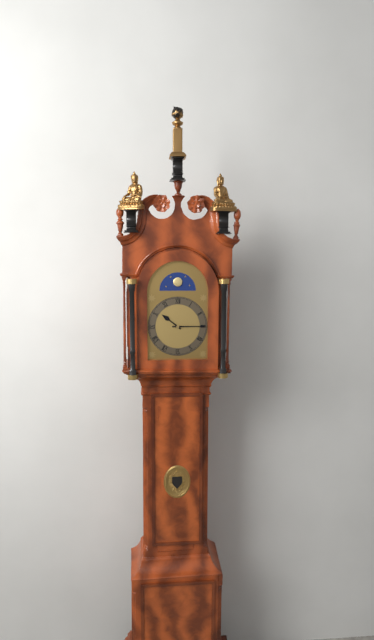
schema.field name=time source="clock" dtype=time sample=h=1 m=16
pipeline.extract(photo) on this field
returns h=10 m=15
